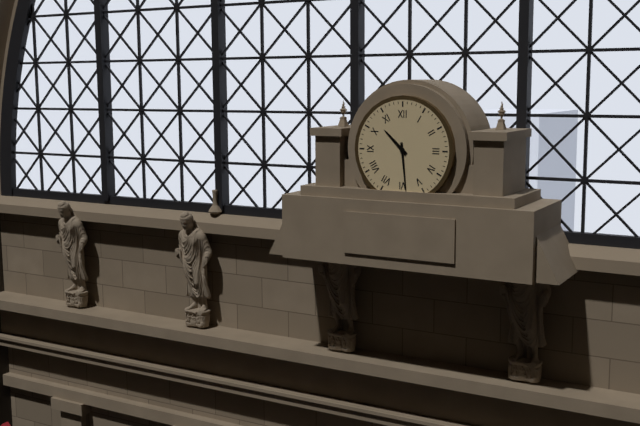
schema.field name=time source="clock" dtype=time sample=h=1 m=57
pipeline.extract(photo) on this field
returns h=10 m=29
